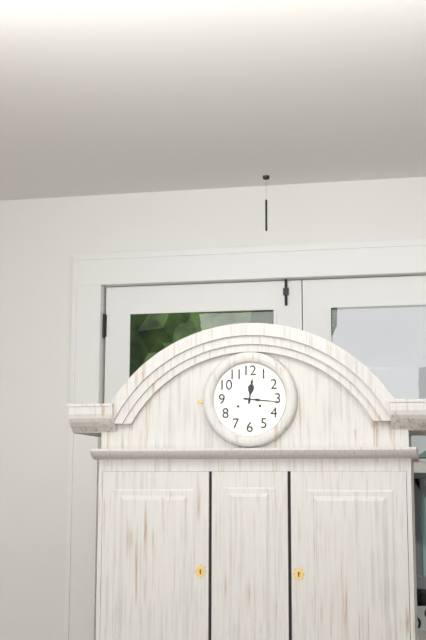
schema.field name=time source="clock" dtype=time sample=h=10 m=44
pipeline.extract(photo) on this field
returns h=12 m=16
